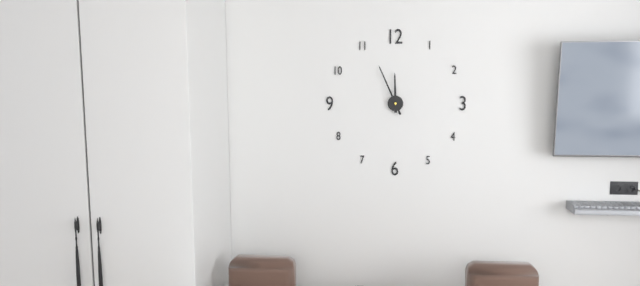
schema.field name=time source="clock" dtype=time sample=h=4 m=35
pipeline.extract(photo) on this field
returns h=11 m=56
